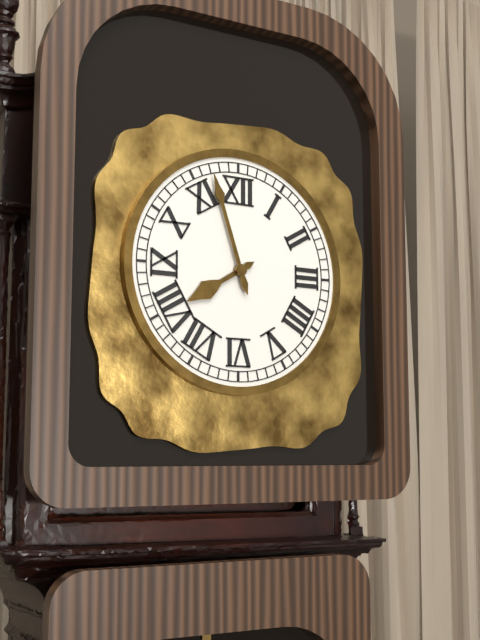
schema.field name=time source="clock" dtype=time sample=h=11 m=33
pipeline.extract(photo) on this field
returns h=7 m=57
